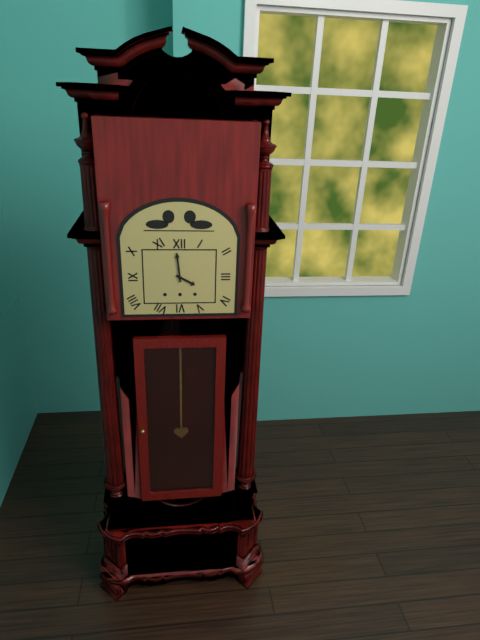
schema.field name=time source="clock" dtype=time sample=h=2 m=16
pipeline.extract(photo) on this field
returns h=3 m=59
